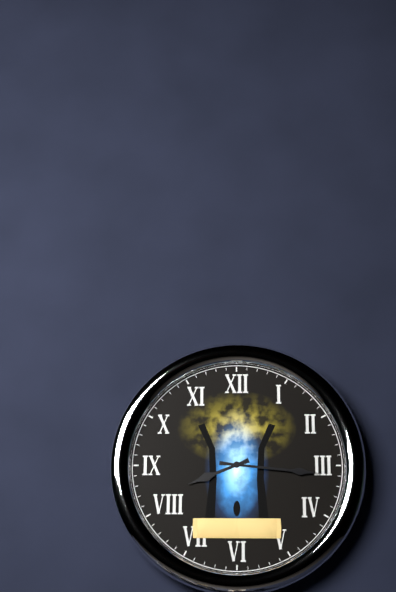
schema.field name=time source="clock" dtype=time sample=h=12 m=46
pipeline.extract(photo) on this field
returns h=8 m=16
